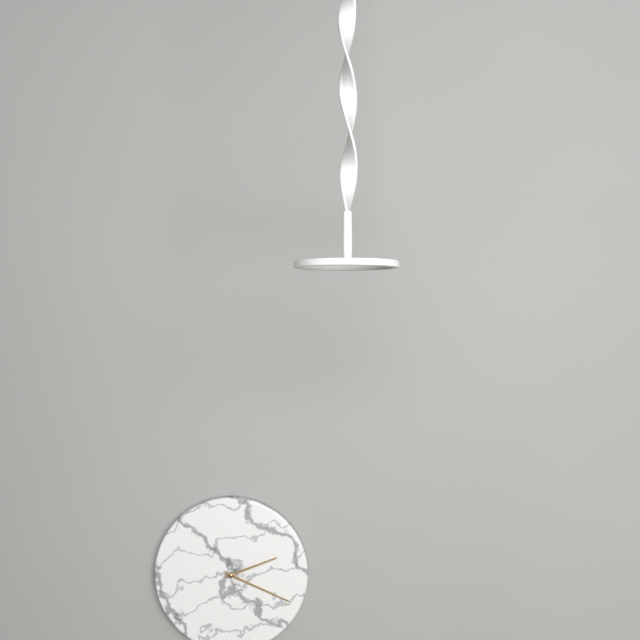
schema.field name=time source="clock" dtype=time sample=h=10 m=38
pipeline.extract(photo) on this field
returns h=2 m=19
